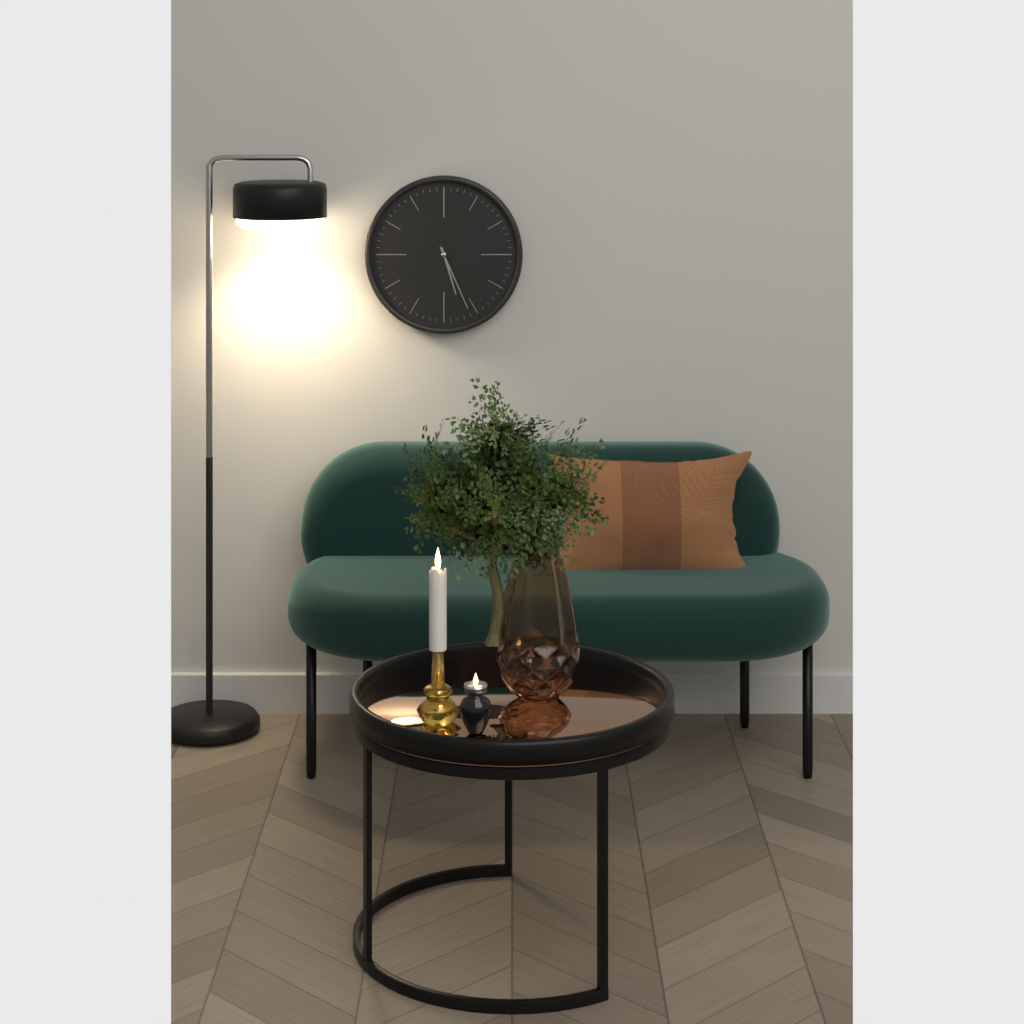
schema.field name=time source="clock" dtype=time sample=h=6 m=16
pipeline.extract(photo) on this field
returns h=5 m=26
